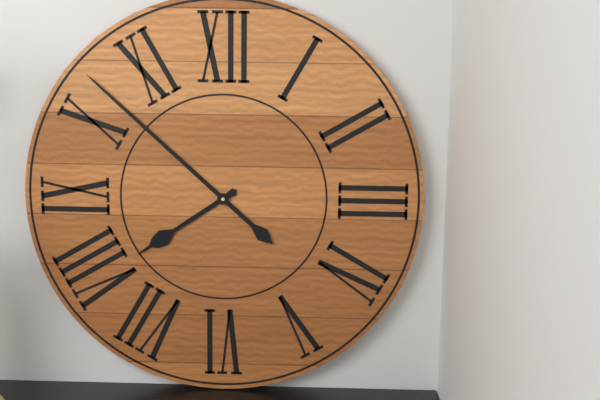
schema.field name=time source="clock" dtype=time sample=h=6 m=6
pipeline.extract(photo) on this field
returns h=7 m=52
